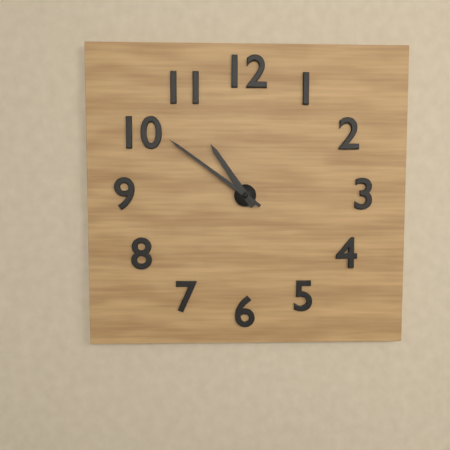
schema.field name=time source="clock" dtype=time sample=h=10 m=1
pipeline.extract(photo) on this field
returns h=10 m=51
